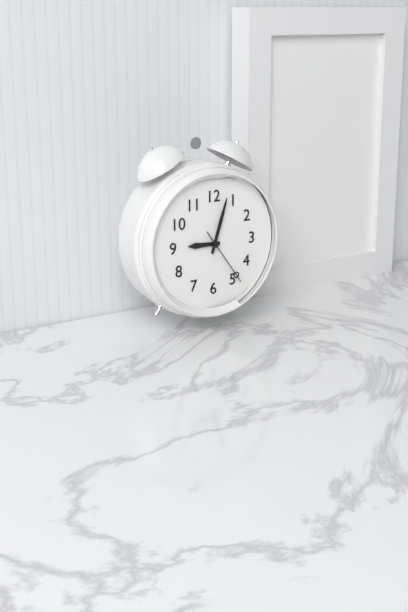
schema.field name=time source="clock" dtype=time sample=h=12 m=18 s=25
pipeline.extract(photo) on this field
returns h=9 m=3 s=24
